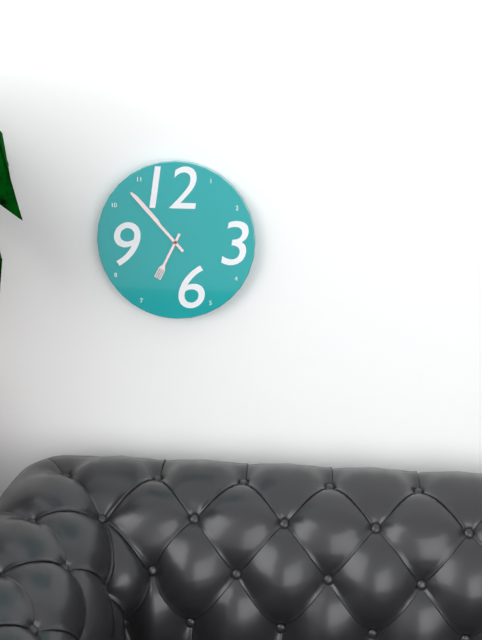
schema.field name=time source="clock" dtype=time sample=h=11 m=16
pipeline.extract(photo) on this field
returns h=6 m=53
